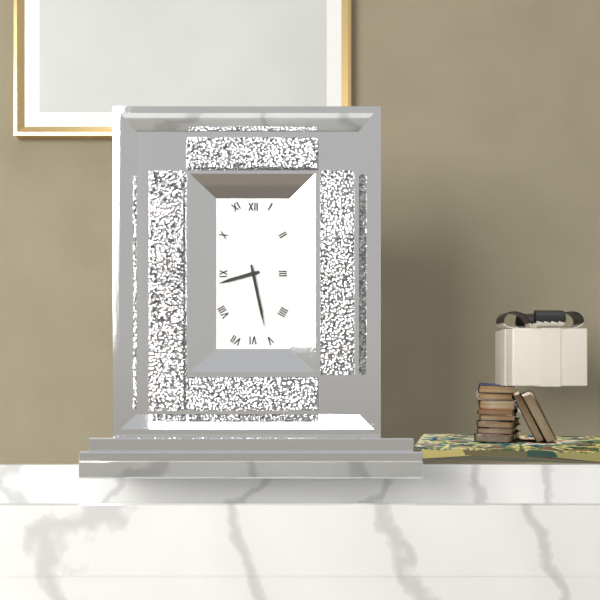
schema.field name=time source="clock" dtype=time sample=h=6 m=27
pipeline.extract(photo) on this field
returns h=8 m=28
